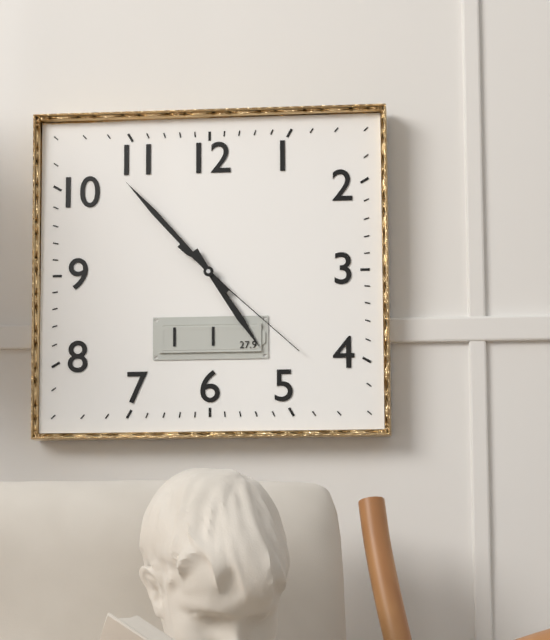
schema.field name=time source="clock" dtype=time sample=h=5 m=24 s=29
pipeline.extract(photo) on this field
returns h=4 m=53 s=22
